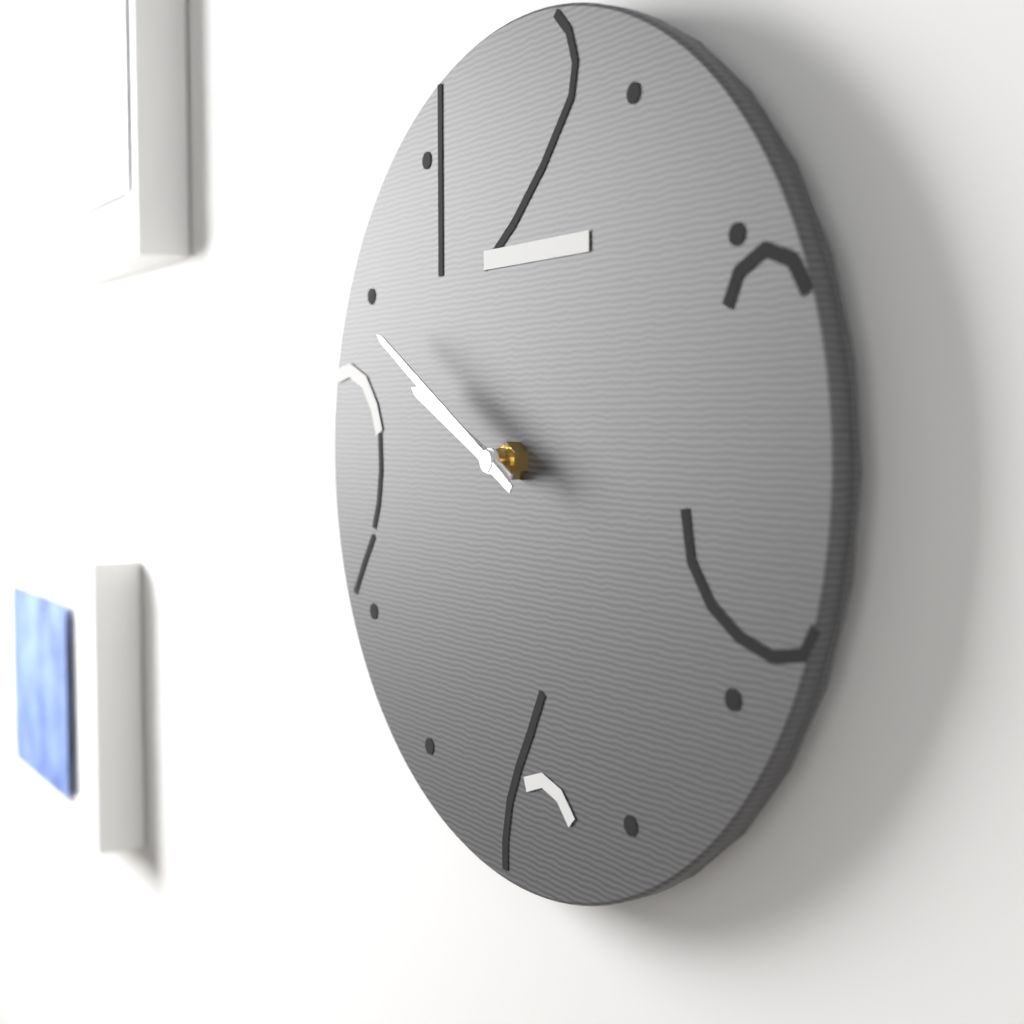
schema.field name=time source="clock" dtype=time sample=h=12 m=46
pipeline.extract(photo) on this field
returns h=9 m=50
